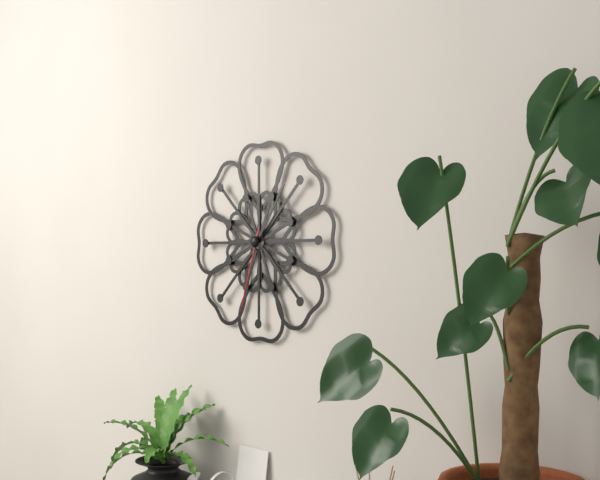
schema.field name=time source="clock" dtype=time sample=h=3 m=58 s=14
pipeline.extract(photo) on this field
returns h=8 m=6 s=33
